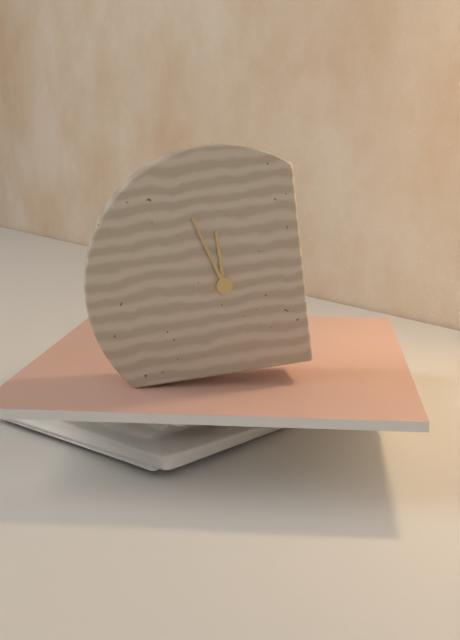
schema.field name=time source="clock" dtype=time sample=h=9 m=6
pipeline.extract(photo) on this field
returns h=11 m=57
